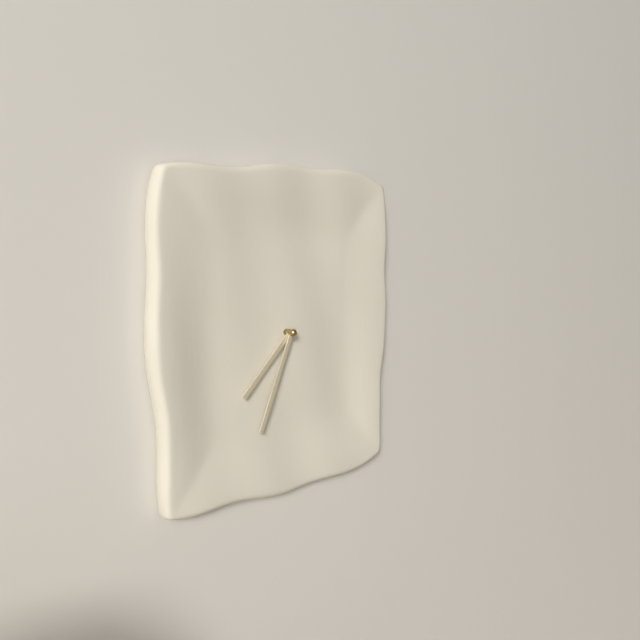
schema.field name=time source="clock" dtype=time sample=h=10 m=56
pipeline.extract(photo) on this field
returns h=7 m=34
